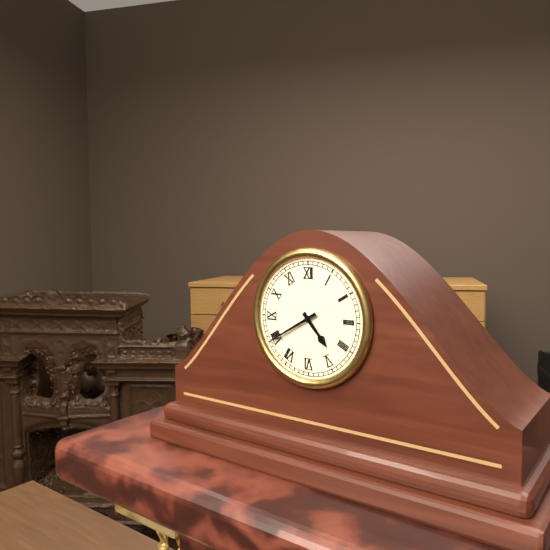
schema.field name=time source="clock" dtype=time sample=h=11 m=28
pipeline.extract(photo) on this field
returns h=4 m=40
